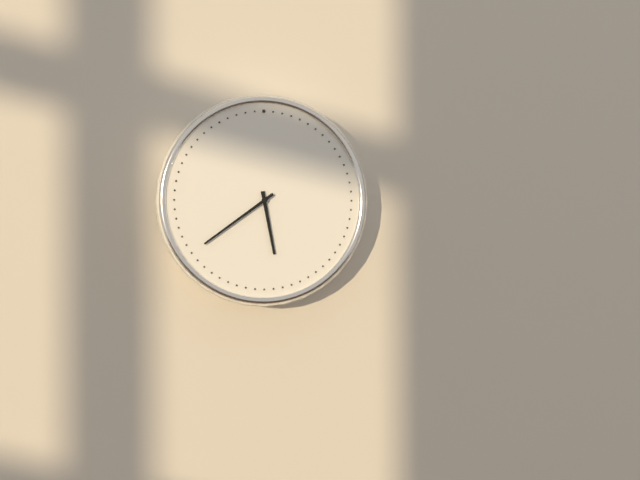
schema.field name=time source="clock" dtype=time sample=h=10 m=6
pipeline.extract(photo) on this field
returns h=5 m=39
